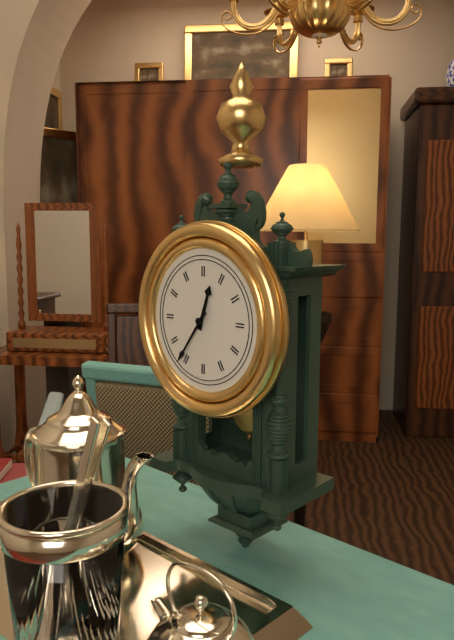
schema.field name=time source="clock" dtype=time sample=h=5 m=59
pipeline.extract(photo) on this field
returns h=12 m=36
